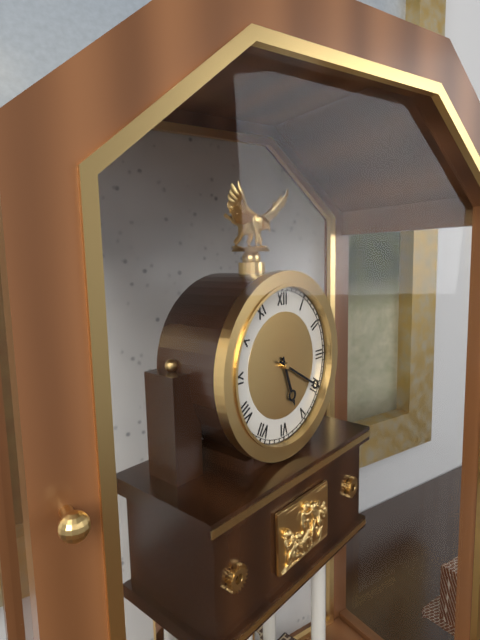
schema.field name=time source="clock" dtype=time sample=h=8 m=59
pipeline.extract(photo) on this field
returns h=5 m=20
